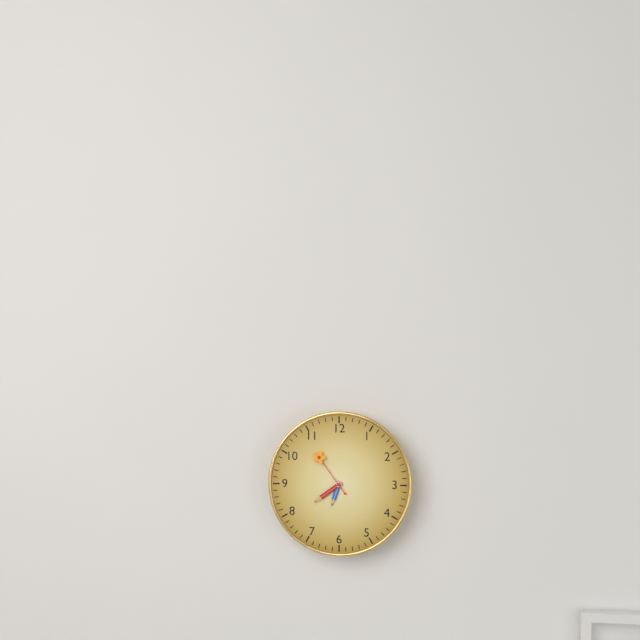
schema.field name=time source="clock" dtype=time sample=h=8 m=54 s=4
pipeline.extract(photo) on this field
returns h=6 m=39 s=54
